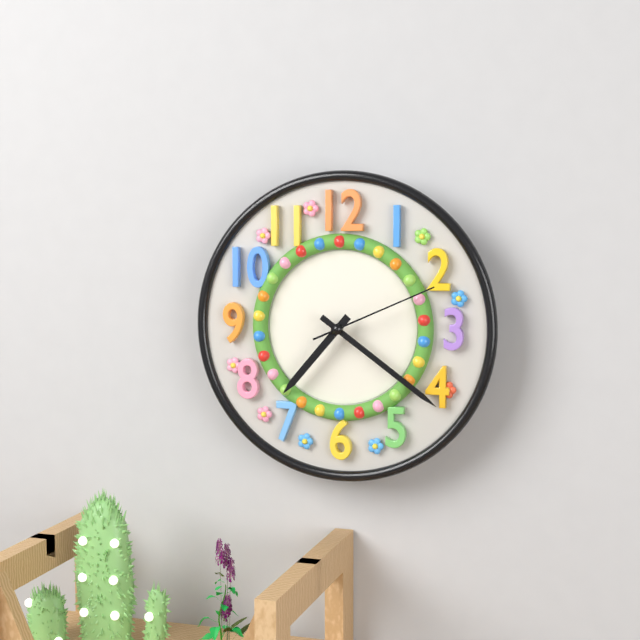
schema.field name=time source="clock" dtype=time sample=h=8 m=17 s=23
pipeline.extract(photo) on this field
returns h=7 m=21 s=11
